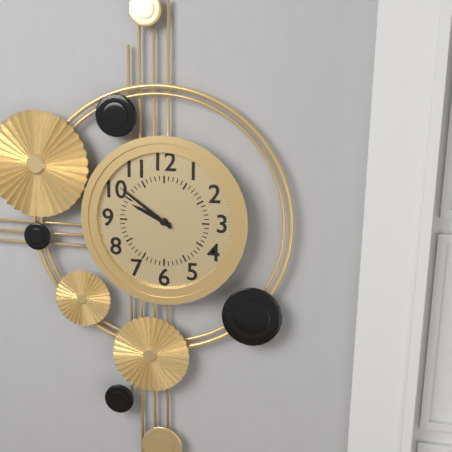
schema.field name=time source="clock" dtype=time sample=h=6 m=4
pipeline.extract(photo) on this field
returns h=9 m=51
